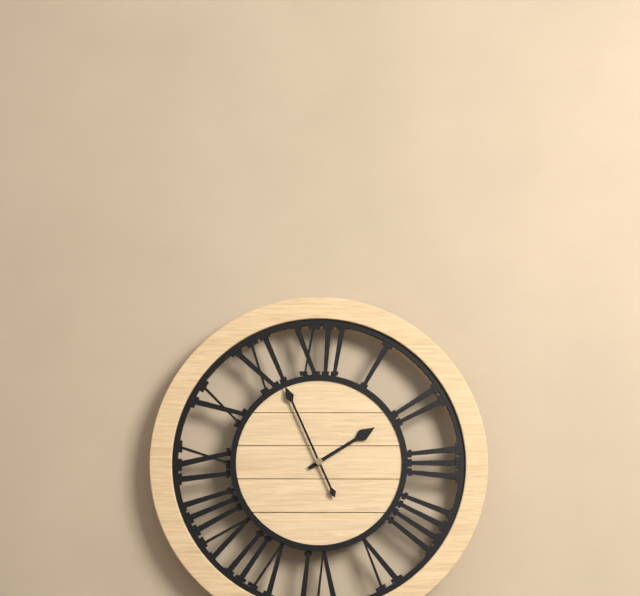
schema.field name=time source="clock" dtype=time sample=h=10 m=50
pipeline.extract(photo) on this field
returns h=1 m=56
